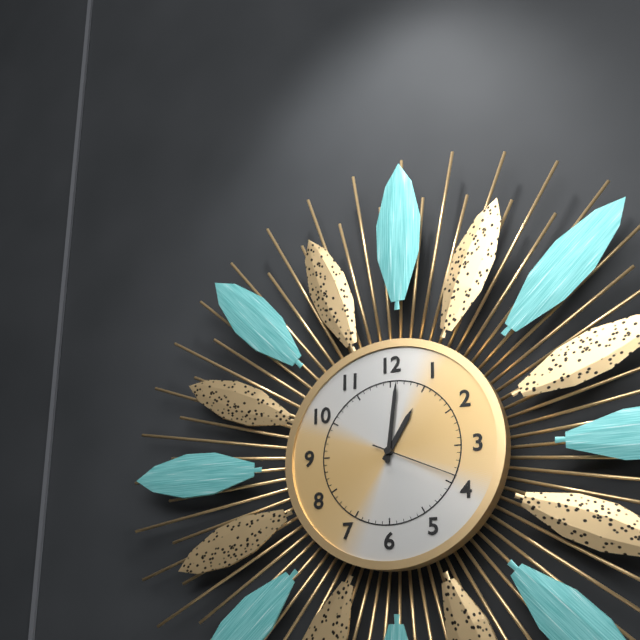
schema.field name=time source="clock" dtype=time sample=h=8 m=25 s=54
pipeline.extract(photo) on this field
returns h=1 m=1 s=19
